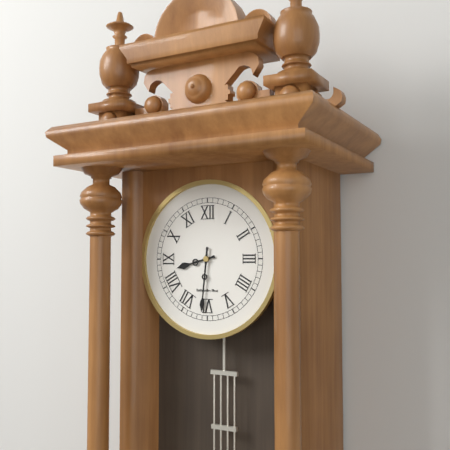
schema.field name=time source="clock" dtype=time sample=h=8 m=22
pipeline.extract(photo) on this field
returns h=8 m=31
